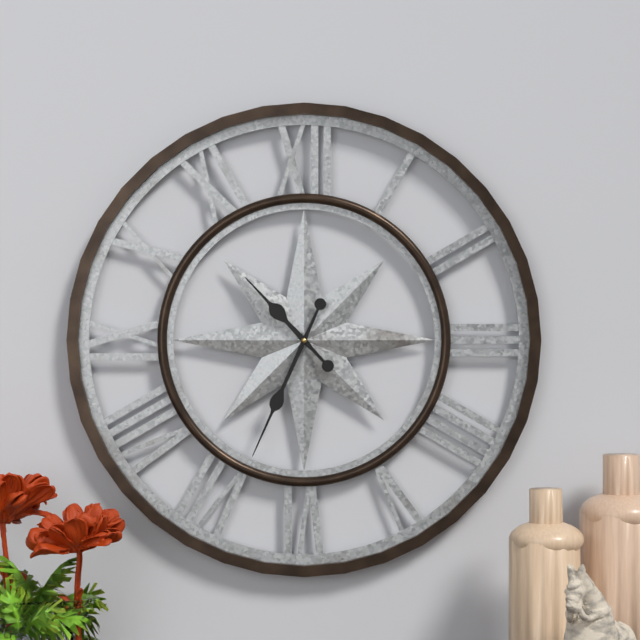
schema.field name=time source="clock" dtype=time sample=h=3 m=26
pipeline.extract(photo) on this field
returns h=10 m=34
